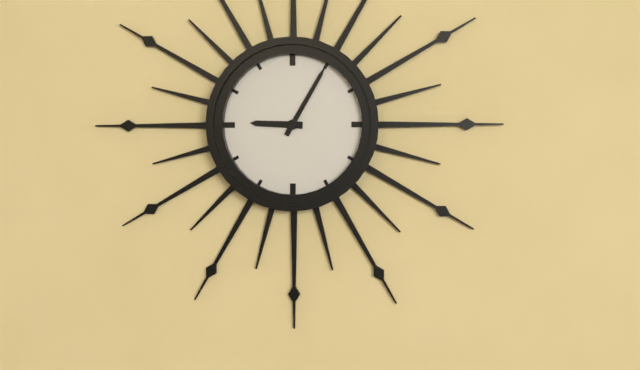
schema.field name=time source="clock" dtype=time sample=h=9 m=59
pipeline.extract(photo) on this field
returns h=9 m=5
